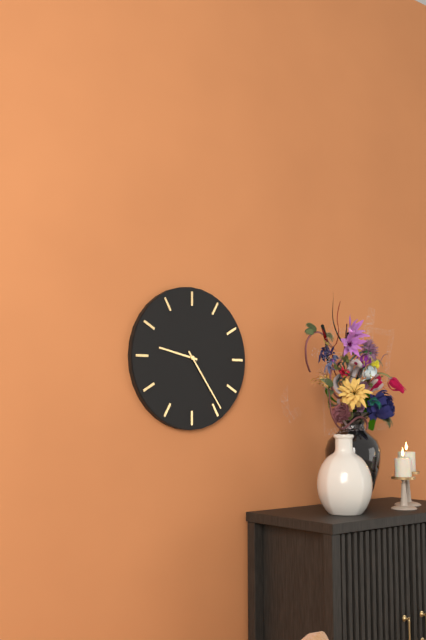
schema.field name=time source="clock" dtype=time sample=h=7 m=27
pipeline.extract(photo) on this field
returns h=9 m=24
